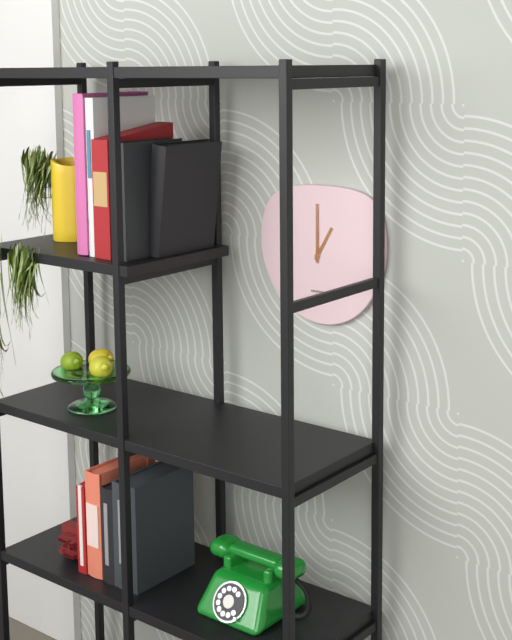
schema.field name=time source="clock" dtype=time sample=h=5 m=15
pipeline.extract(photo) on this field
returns h=1 m=0
